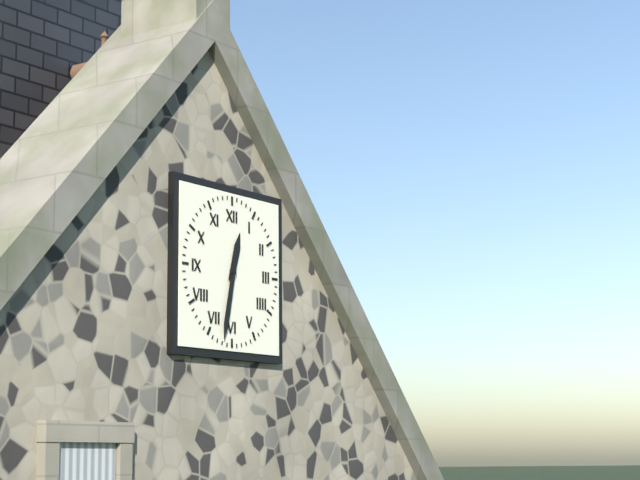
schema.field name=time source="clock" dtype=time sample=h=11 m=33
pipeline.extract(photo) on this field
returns h=12 m=32
